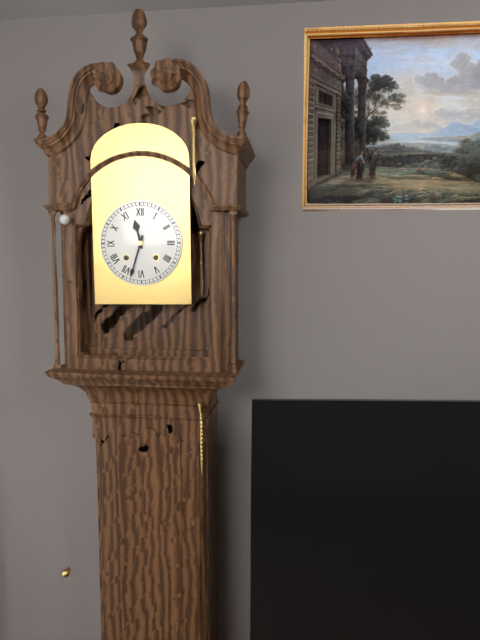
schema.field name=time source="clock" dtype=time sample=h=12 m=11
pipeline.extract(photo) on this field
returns h=11 m=33
